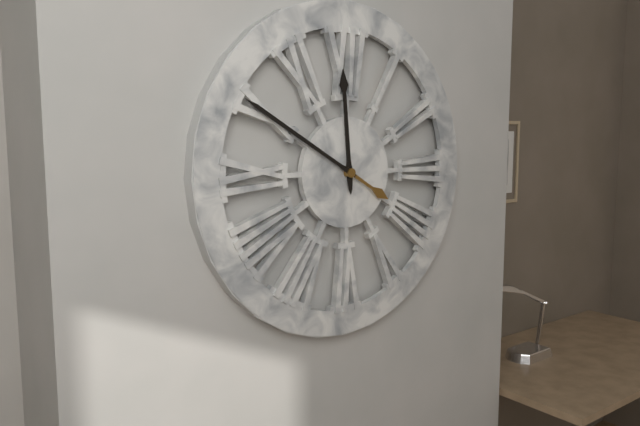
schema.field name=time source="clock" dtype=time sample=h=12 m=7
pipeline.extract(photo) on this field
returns h=11 m=50
